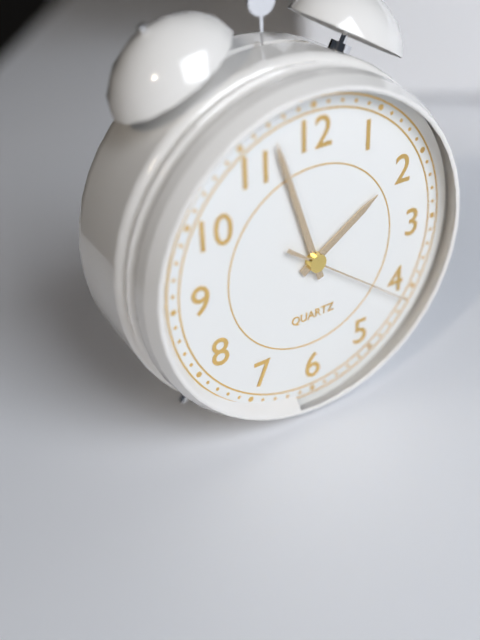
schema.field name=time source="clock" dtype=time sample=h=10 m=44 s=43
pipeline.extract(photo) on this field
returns h=1 m=57 s=21
